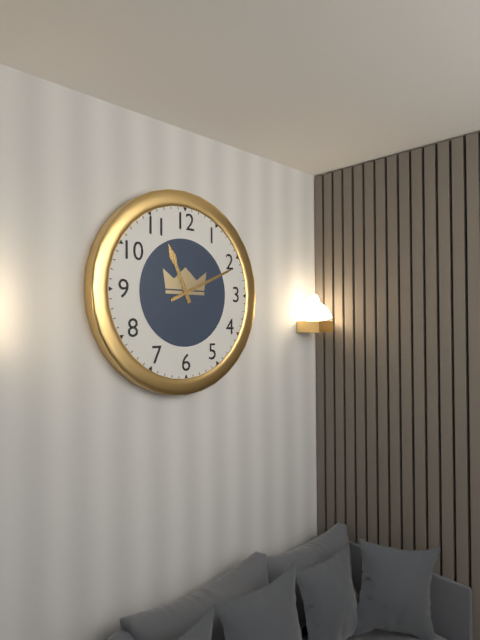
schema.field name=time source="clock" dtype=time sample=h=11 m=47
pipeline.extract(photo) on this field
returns h=11 m=11
